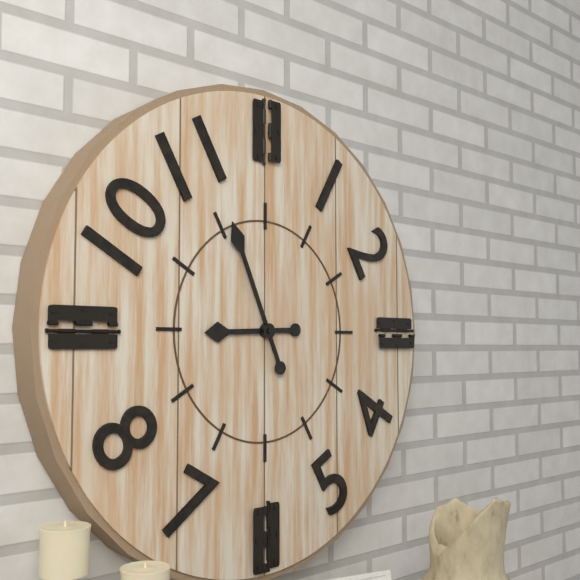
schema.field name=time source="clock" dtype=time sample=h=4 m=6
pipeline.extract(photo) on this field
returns h=8 m=56
